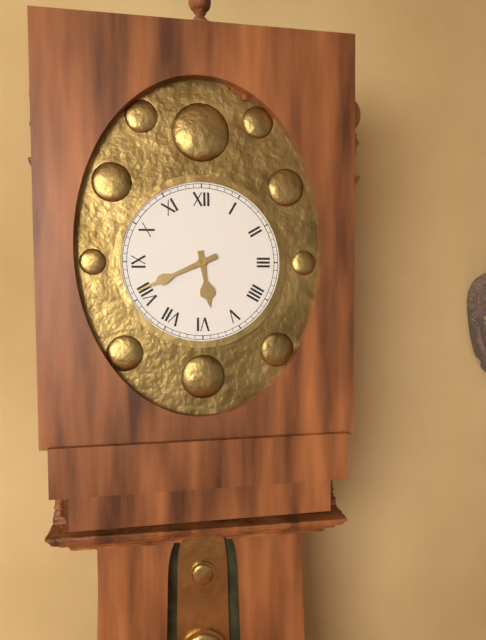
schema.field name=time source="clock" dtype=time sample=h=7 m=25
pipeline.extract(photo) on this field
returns h=5 m=41
